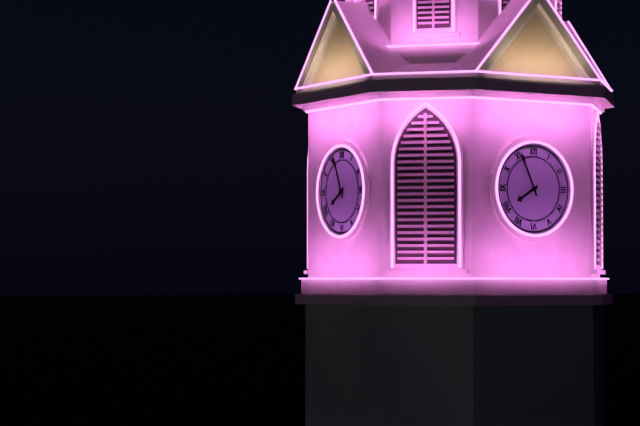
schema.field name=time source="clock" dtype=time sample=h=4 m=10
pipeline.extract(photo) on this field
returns h=7 m=56
